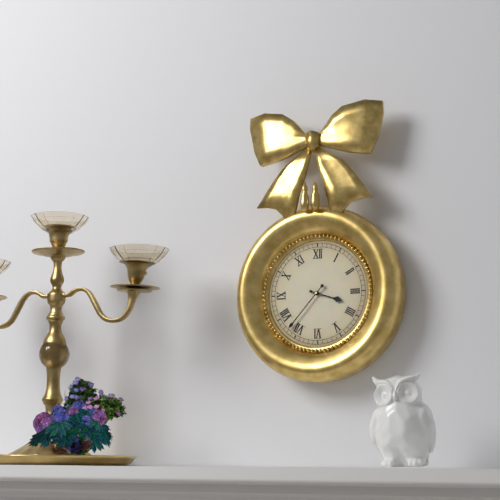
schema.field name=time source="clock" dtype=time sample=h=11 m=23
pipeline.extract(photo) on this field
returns h=3 m=37
